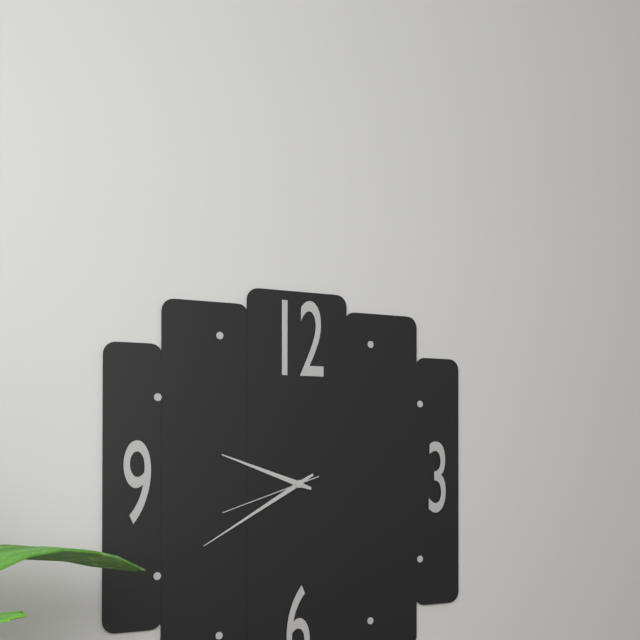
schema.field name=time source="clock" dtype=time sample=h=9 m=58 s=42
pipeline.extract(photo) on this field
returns h=9 m=40 s=42
